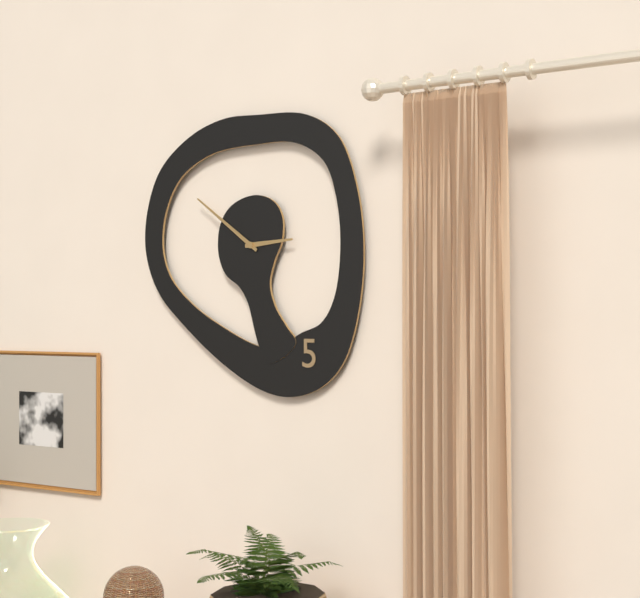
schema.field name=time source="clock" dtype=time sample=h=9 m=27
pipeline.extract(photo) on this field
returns h=2 m=51
